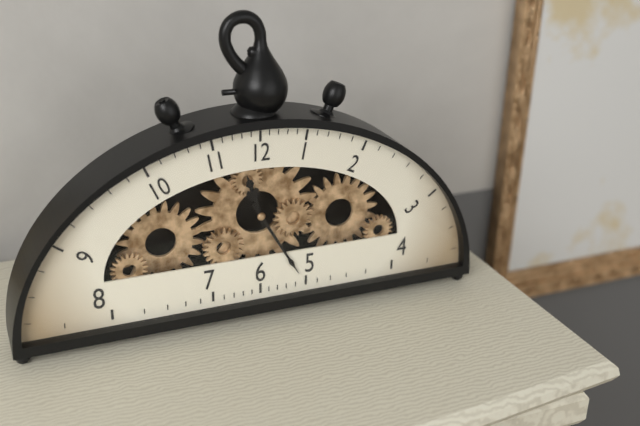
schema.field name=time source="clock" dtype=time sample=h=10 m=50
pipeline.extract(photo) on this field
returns h=11 m=25
